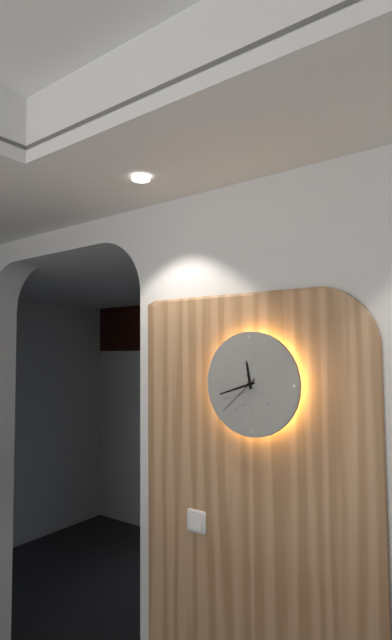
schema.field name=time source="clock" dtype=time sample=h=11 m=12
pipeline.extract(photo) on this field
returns h=11 m=42
